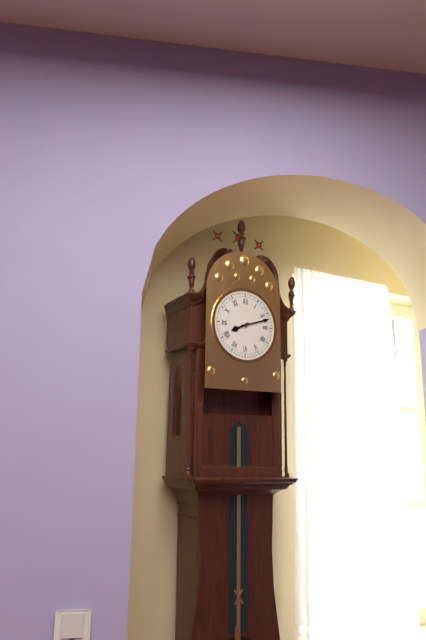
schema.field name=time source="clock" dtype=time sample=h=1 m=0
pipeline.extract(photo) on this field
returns h=8 m=12
